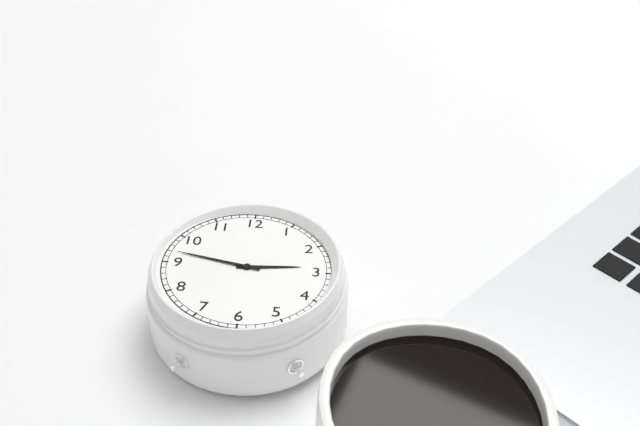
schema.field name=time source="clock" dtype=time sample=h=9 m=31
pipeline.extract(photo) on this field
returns h=2 m=47
